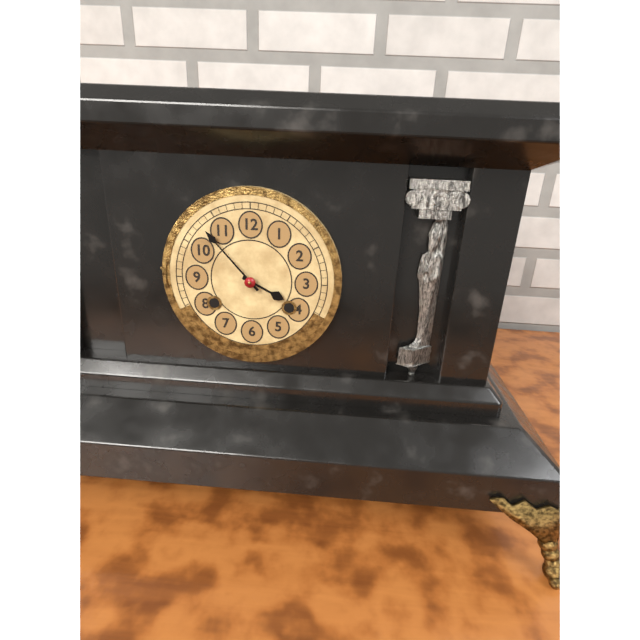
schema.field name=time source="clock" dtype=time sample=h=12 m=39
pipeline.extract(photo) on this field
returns h=3 m=53
